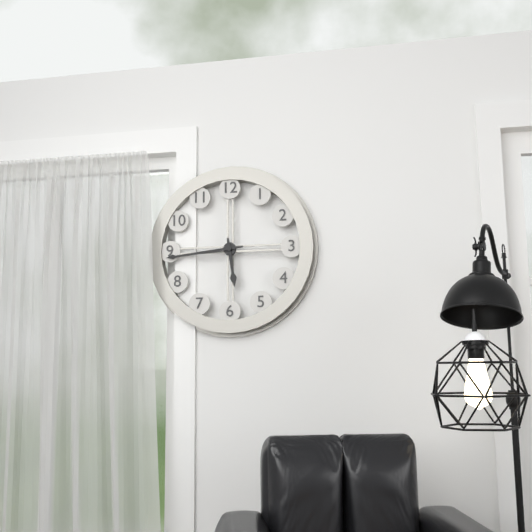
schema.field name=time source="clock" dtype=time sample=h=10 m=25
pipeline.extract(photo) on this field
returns h=5 m=44
